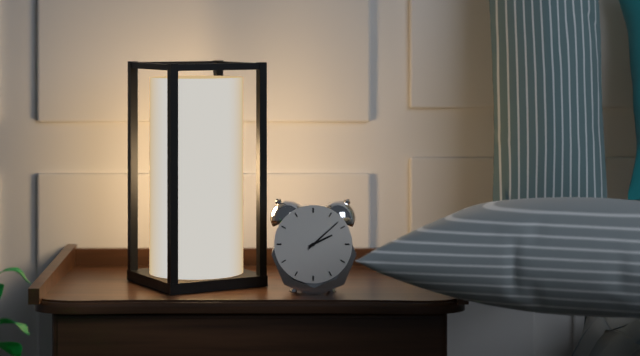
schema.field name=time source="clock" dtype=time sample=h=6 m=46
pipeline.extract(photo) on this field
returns h=2 m=8
